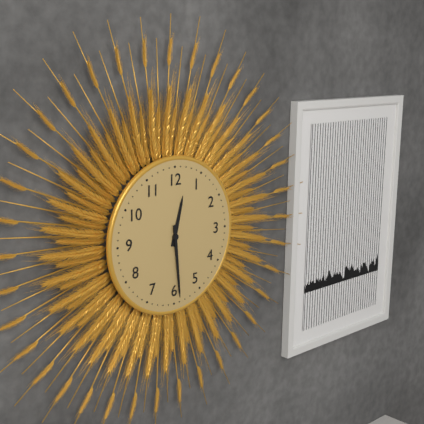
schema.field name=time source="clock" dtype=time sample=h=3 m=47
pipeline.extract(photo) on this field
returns h=12 m=29
